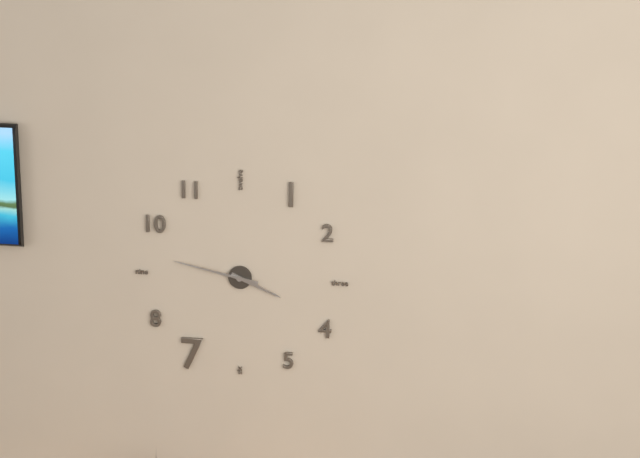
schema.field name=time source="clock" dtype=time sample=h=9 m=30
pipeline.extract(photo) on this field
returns h=3 m=47
